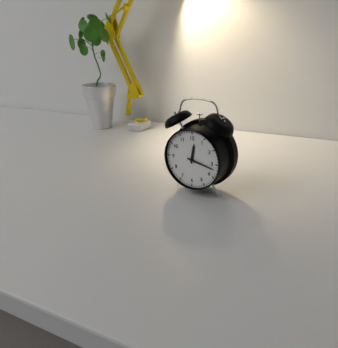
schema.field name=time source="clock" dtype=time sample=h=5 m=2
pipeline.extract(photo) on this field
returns h=12 m=17
